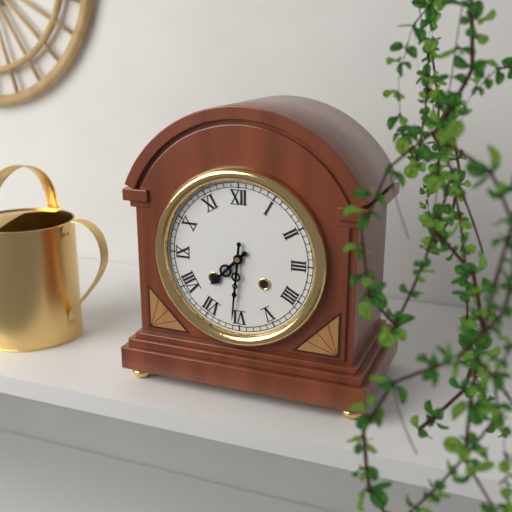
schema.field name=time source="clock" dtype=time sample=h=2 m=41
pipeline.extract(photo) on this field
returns h=7 m=31
